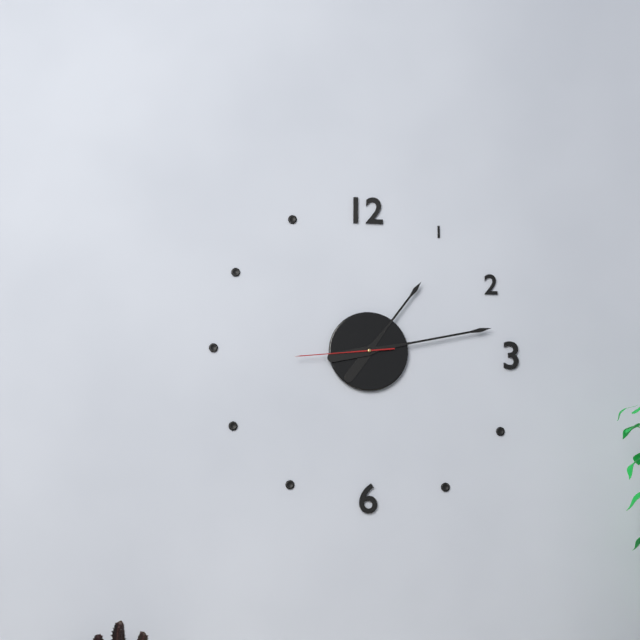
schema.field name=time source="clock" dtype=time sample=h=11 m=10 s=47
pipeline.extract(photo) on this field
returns h=1 m=13 s=44
